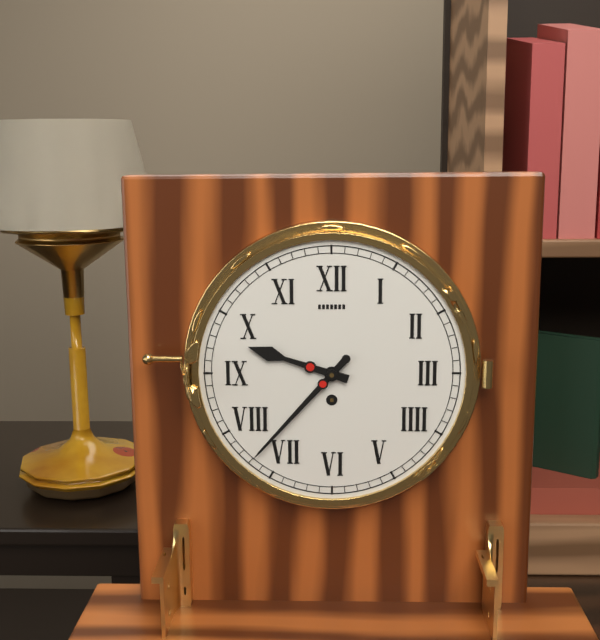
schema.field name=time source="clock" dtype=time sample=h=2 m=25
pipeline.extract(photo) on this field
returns h=9 m=37
